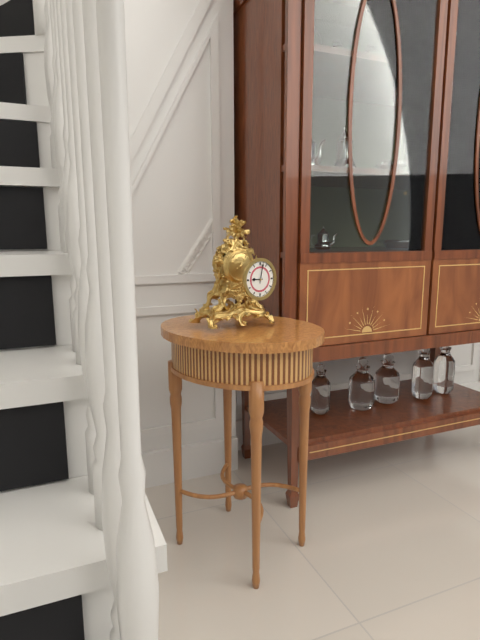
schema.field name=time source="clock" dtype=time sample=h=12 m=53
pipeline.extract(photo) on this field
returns h=9 m=2
